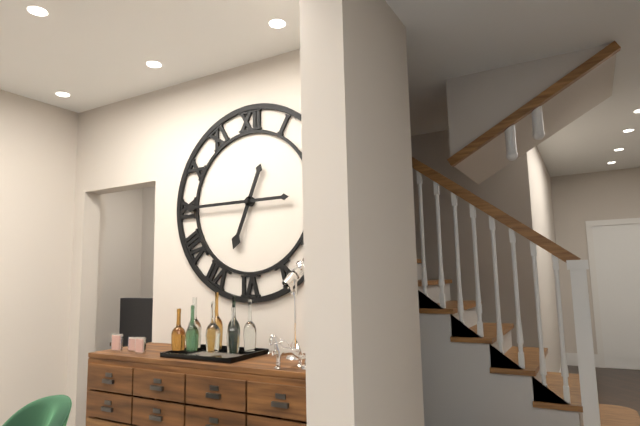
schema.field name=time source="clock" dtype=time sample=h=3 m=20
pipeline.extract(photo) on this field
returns h=6 m=45
